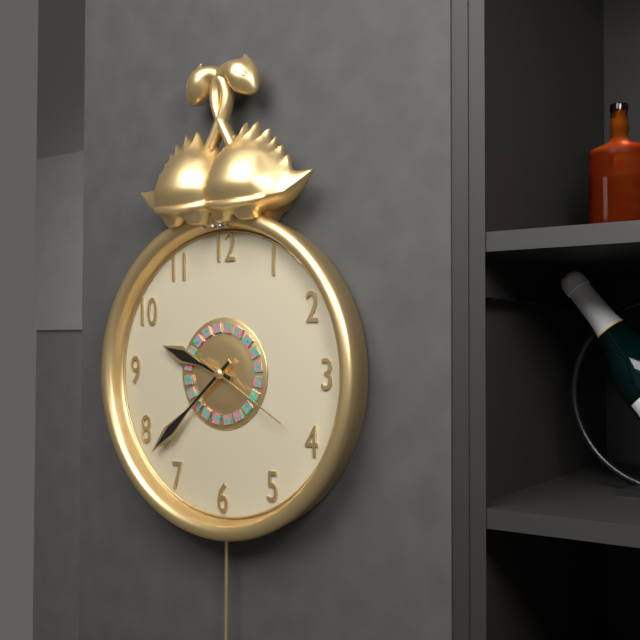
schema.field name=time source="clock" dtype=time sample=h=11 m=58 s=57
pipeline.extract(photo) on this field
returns h=9 m=38 s=20
